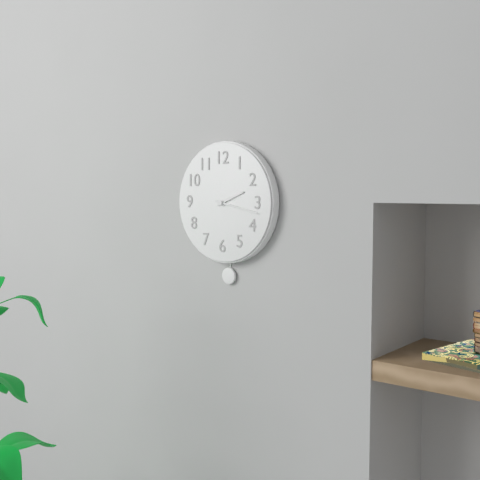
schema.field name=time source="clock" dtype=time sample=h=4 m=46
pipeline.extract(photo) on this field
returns h=2 m=17
